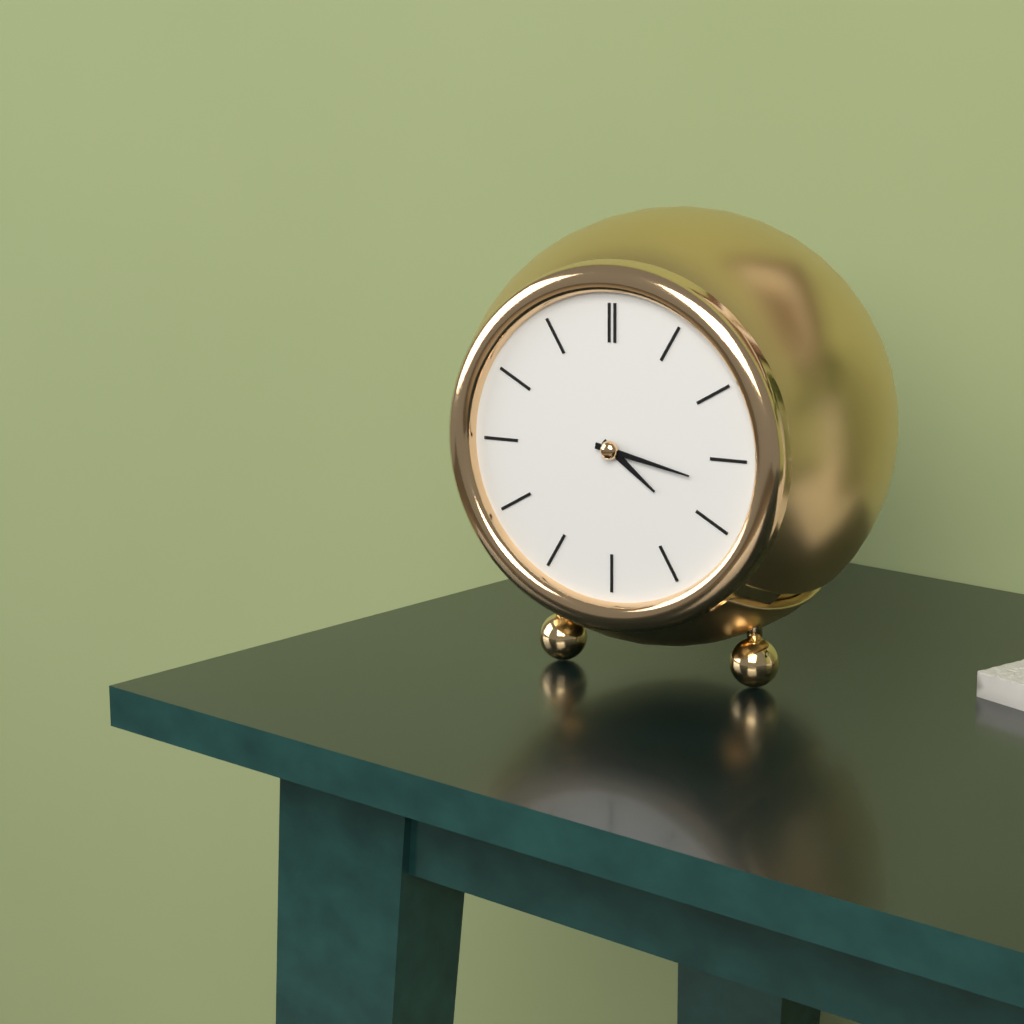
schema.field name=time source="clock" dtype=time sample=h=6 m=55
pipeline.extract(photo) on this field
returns h=4 m=17
